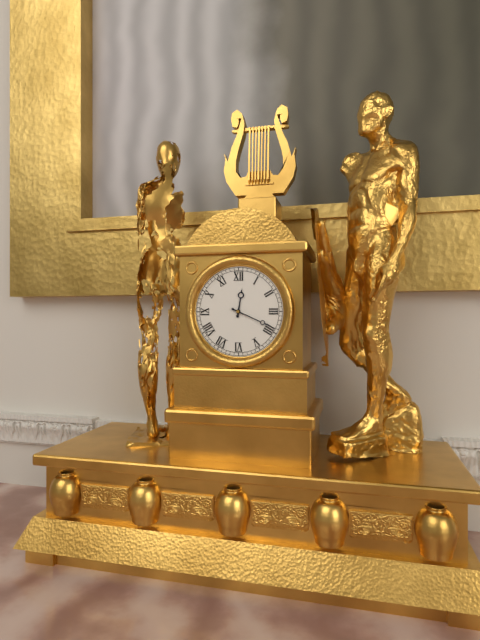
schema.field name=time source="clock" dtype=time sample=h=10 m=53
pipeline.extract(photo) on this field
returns h=12 m=19
